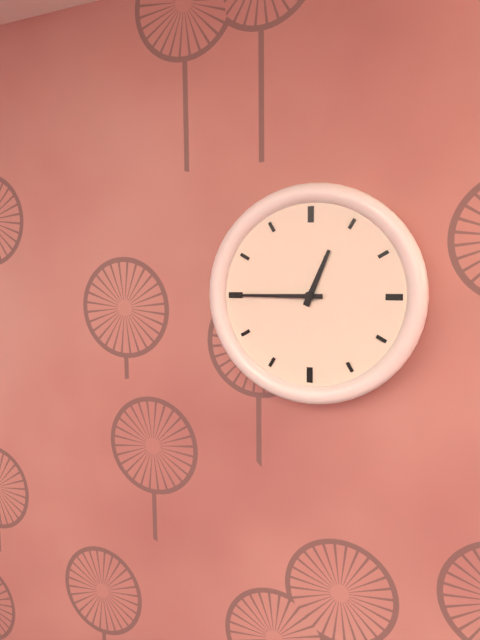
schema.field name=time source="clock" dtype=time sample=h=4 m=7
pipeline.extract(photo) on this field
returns h=12 m=45
